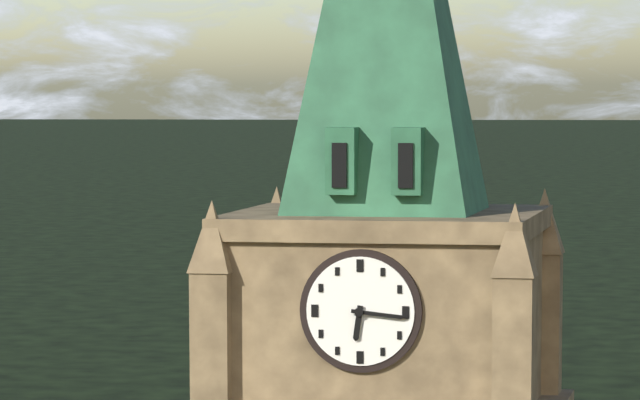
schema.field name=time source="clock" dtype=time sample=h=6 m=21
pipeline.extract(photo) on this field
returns h=6 m=16
